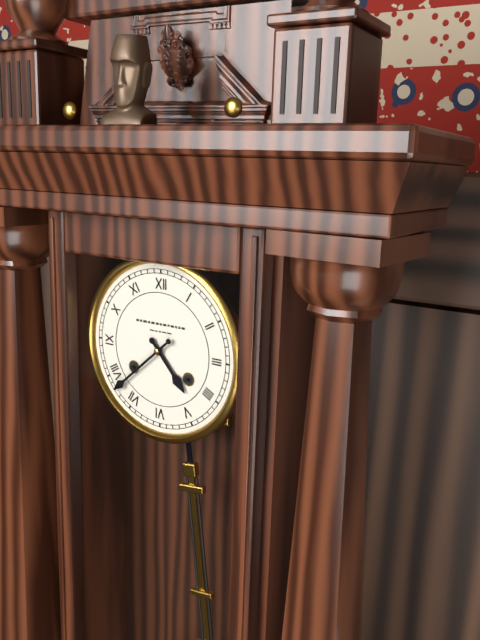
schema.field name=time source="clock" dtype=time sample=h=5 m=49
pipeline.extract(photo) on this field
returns h=4 m=38
